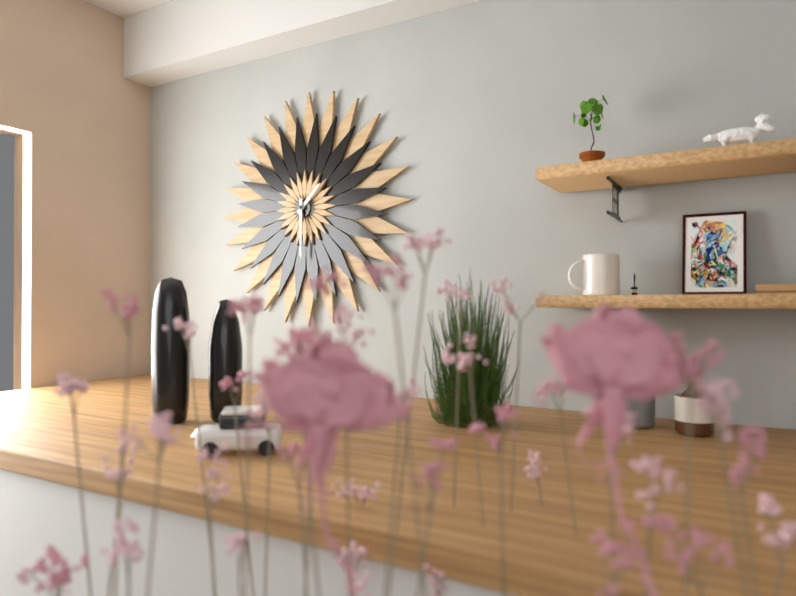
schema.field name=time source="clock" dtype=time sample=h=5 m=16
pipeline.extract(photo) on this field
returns h=1 m=30
